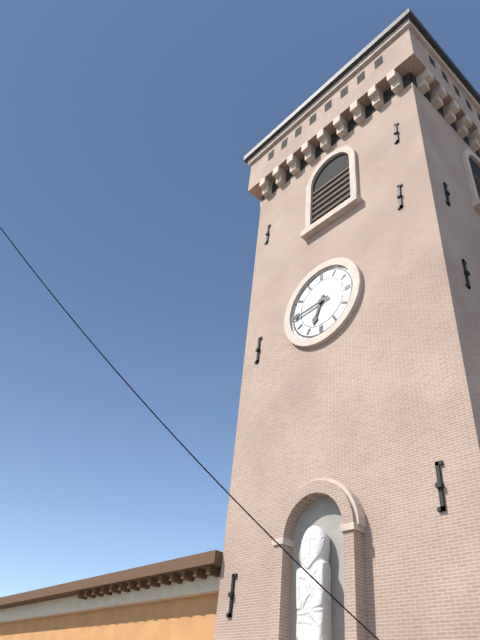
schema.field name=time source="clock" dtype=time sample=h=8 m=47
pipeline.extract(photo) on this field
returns h=6 m=44
